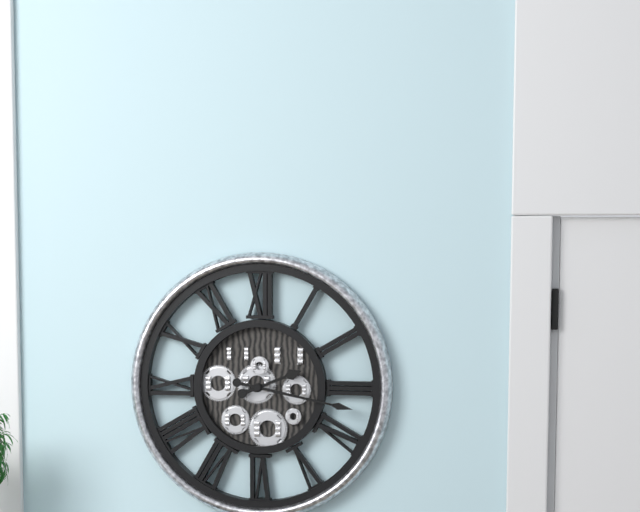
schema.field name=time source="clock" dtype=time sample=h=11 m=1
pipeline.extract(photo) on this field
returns h=2 m=17
